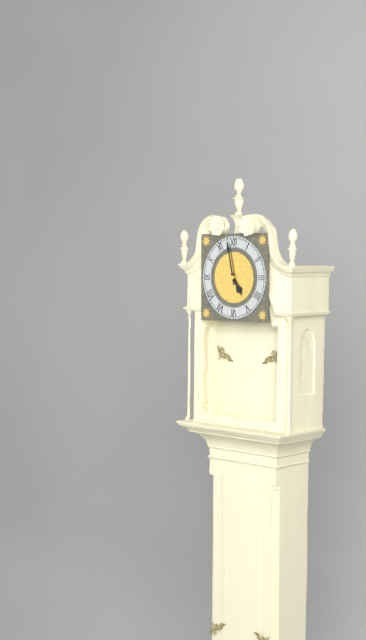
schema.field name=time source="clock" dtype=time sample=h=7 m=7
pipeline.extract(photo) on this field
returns h=4 m=58
